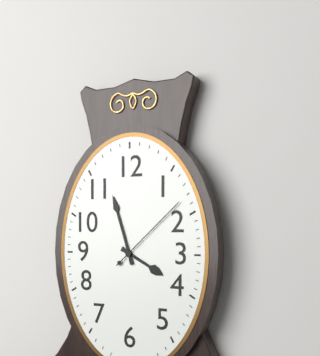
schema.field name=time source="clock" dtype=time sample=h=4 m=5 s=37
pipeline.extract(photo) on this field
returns h=3 m=57 s=8
